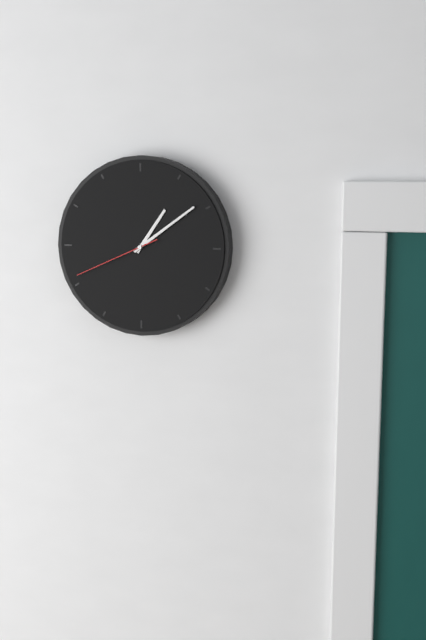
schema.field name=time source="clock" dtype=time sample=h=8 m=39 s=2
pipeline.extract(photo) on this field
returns h=1 m=9 s=41
